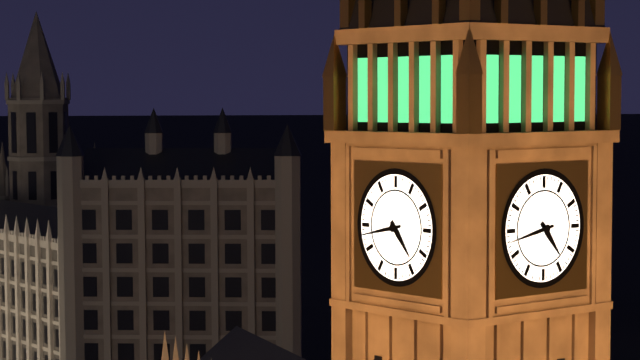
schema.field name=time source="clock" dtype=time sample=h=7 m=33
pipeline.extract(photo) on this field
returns h=4 m=43
